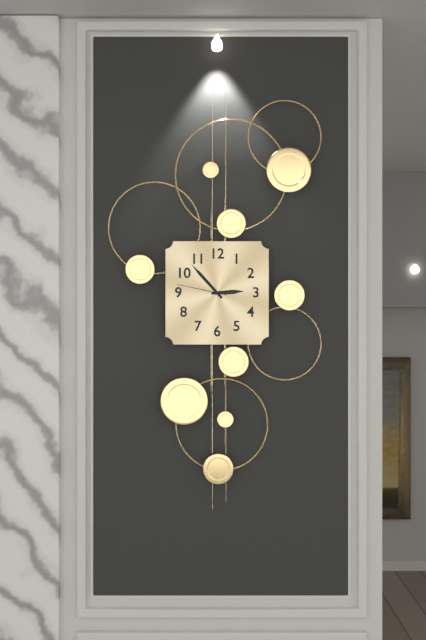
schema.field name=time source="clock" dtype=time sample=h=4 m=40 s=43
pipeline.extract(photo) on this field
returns h=2 m=53 s=47
